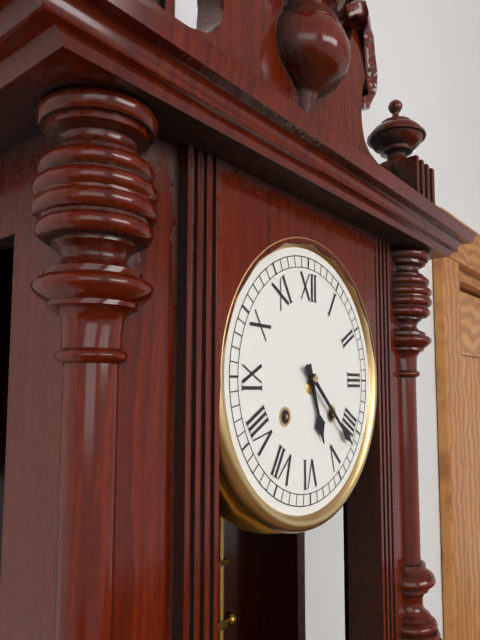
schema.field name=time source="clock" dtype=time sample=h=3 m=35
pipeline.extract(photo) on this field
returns h=5 m=22
